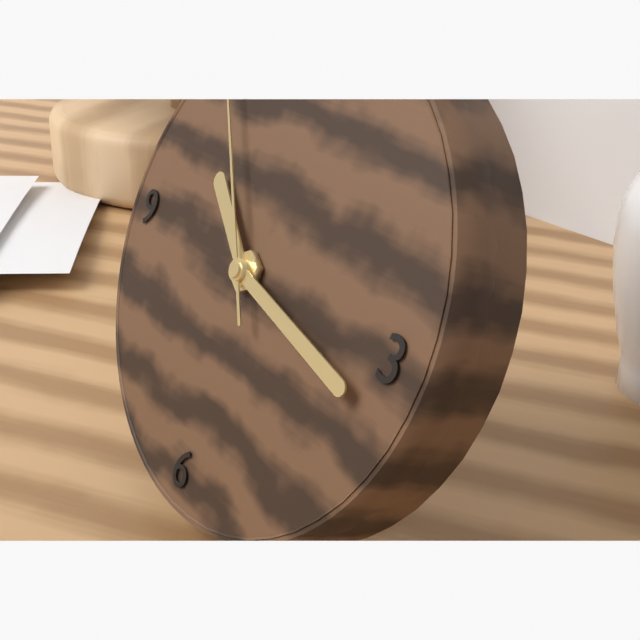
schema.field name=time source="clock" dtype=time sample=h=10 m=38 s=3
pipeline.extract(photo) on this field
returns h=10 m=17 s=54
